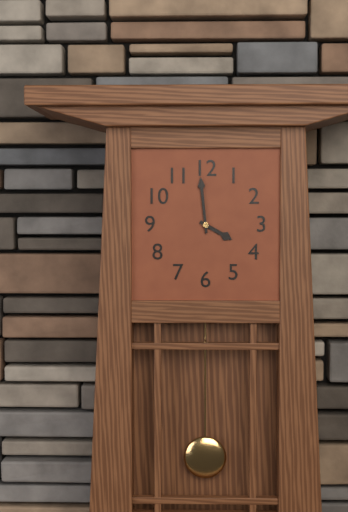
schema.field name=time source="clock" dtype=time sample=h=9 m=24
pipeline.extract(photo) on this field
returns h=3 m=59
